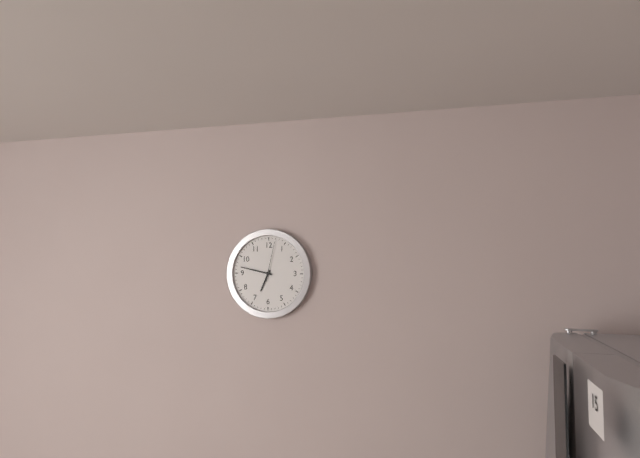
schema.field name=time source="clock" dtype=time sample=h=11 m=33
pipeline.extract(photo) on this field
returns h=6 m=47
